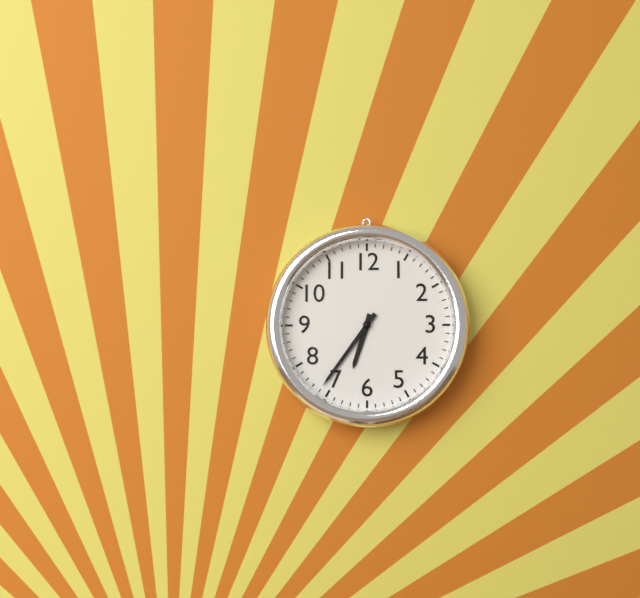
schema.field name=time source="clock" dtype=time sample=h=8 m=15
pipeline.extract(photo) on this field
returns h=6 m=36
